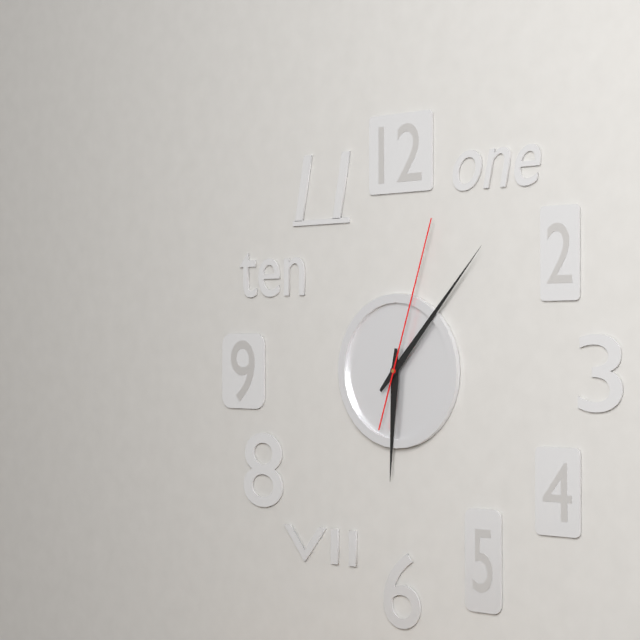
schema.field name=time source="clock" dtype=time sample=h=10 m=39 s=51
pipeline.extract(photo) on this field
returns h=6 m=7 s=3
